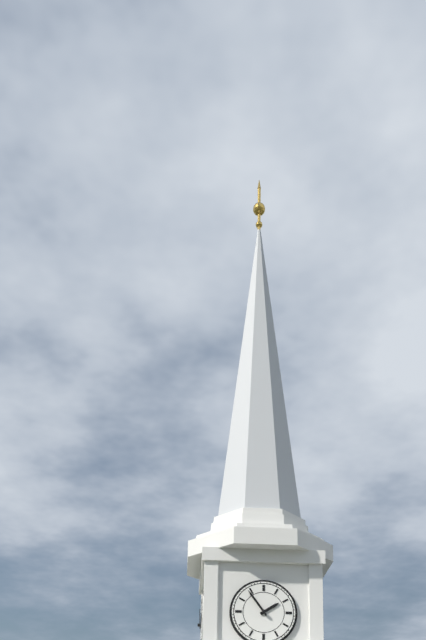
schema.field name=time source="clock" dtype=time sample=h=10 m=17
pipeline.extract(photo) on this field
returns h=1 m=54
